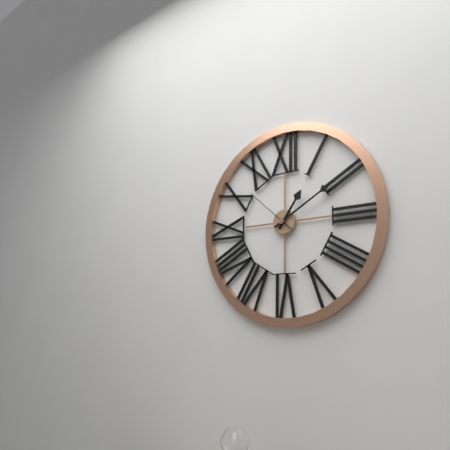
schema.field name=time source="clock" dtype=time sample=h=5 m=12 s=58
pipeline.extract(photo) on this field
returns h=1 m=10 s=52
